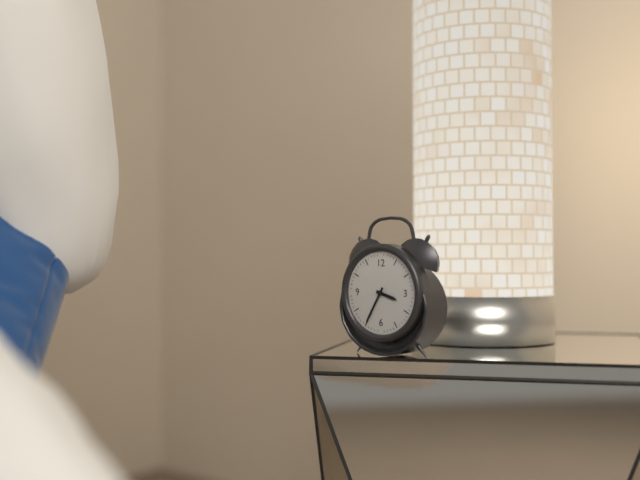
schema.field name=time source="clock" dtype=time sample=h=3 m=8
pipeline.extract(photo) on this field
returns h=3 m=35
